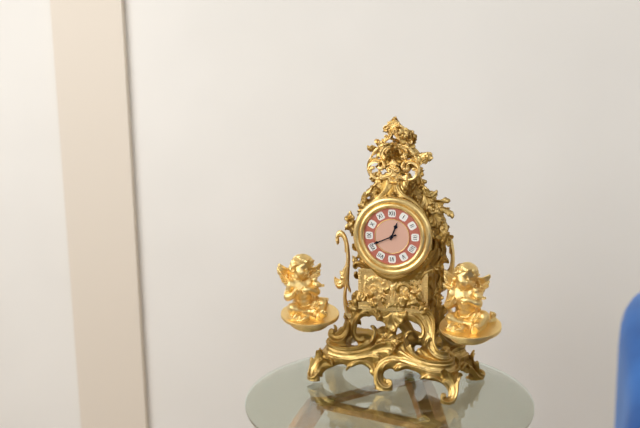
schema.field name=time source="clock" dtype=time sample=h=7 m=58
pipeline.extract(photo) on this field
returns h=12 m=41
